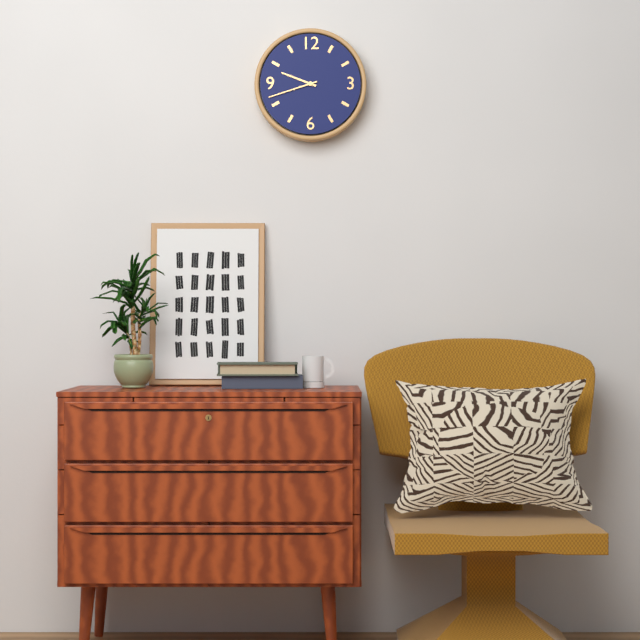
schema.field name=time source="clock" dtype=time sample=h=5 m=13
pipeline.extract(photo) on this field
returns h=9 m=42
